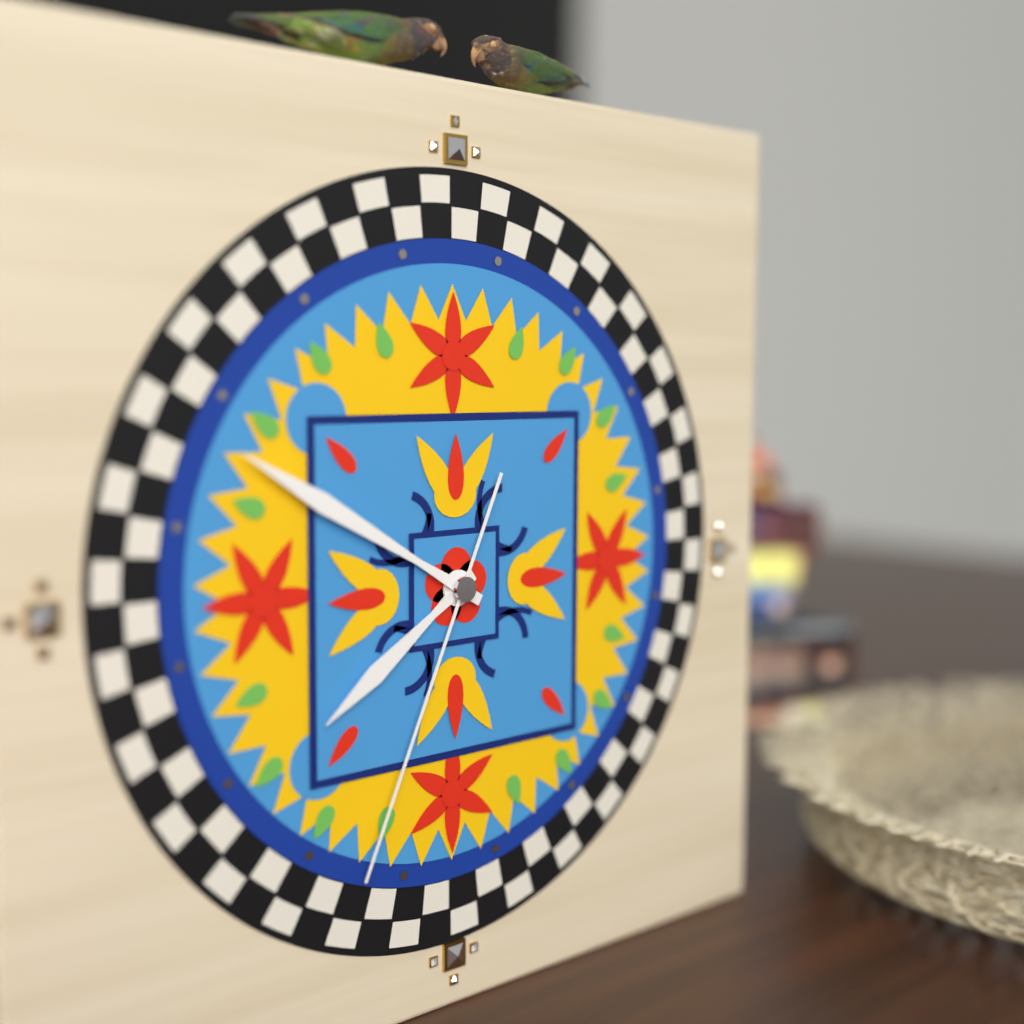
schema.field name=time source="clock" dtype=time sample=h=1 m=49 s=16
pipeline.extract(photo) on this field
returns h=7 m=50 s=34
